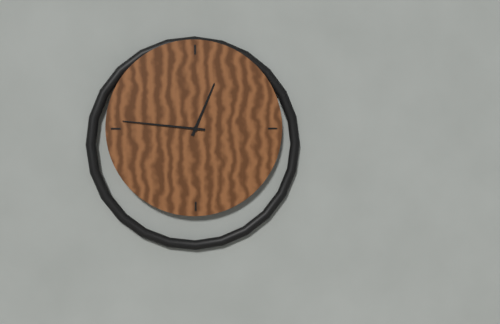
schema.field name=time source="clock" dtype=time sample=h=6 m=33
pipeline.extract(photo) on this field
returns h=12 m=46
